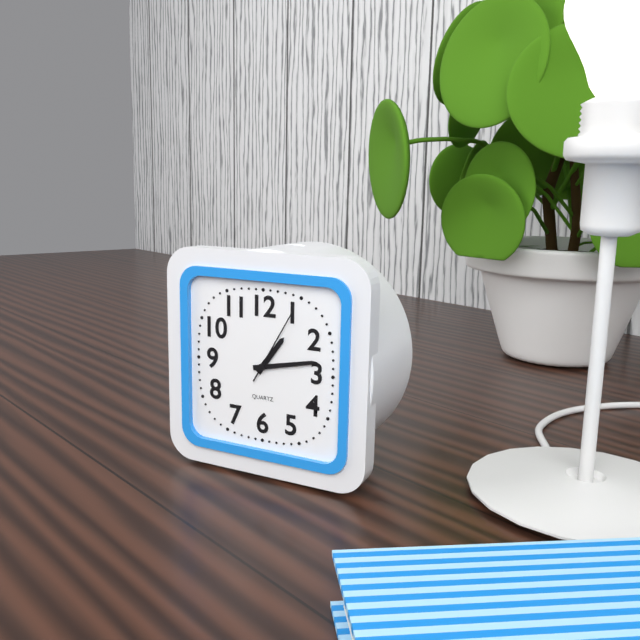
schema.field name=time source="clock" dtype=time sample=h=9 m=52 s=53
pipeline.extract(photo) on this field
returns h=1 m=13 s=5
